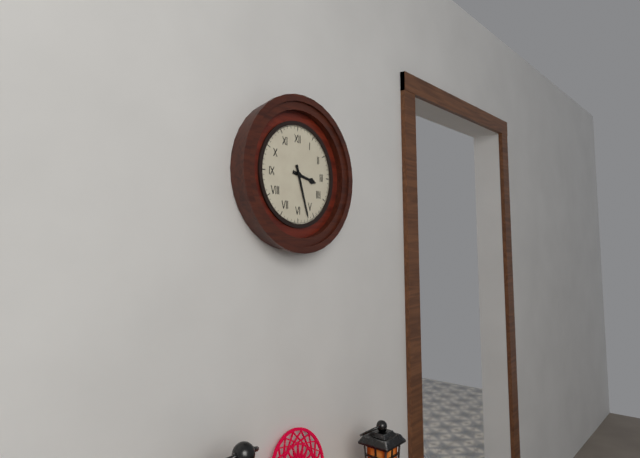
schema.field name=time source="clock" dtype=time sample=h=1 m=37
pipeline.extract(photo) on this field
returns h=3 m=27
